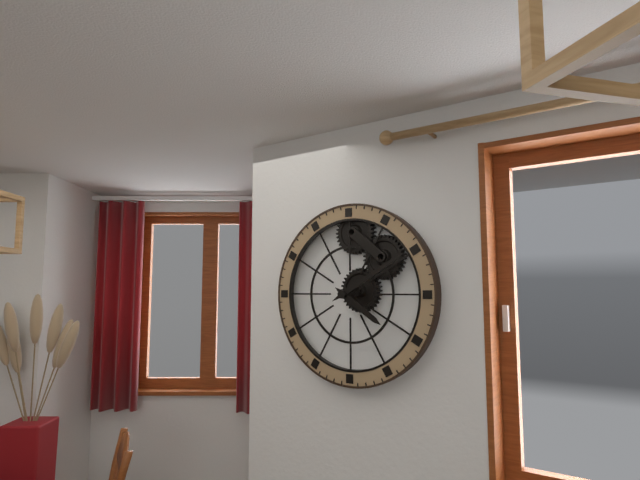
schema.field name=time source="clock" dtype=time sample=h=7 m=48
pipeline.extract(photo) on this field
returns h=4 m=10
